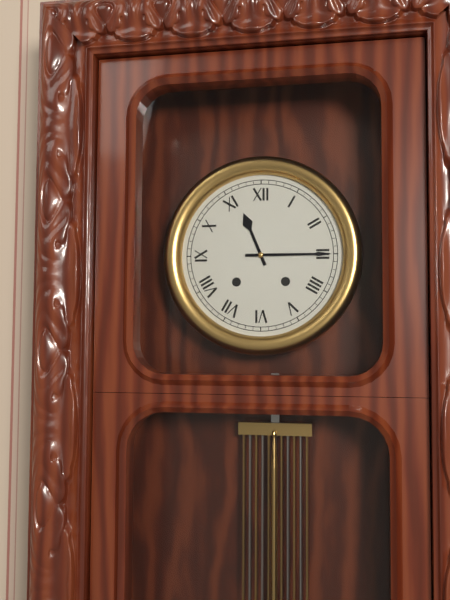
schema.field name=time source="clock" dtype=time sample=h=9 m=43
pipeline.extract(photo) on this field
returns h=11 m=15
